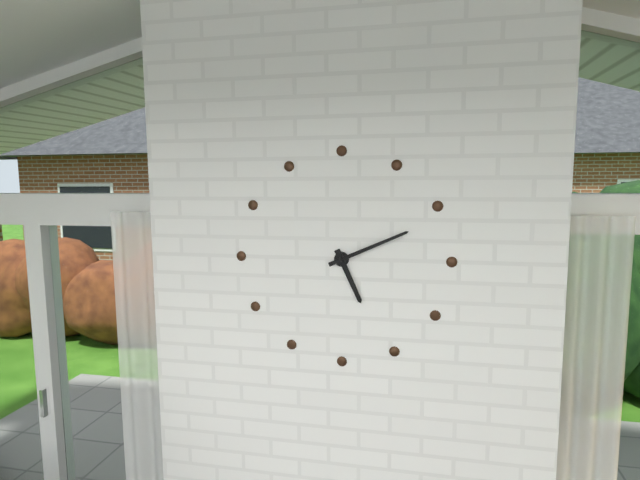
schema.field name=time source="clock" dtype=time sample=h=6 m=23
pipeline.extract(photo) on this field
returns h=5 m=11
